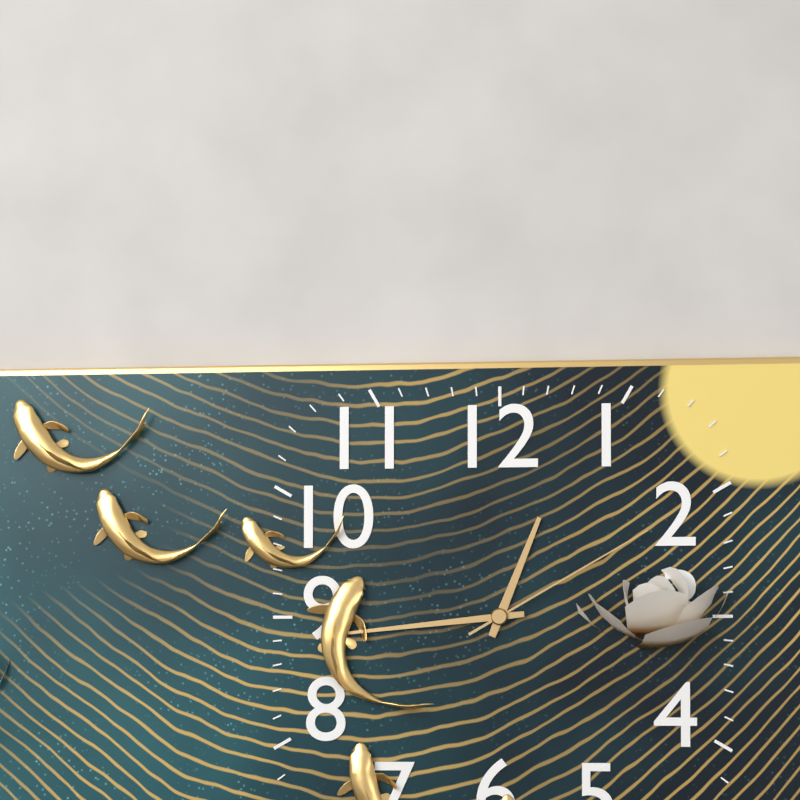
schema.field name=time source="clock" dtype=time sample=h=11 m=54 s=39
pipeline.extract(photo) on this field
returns h=12 m=44 s=10
